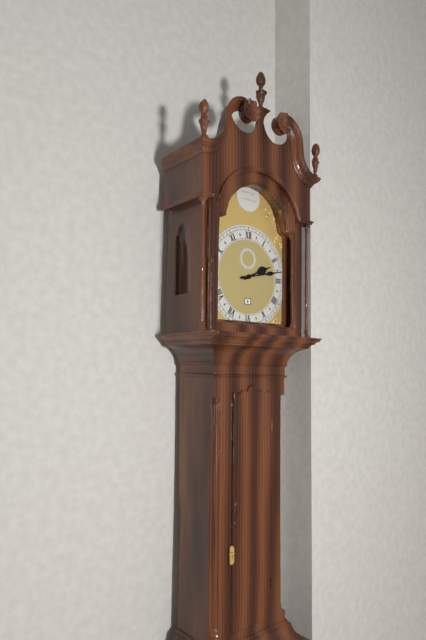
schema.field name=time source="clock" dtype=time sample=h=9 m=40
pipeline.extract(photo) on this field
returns h=2 m=13
